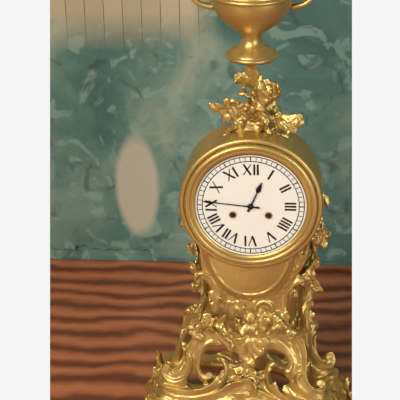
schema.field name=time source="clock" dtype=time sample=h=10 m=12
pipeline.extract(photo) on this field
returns h=12 m=46
